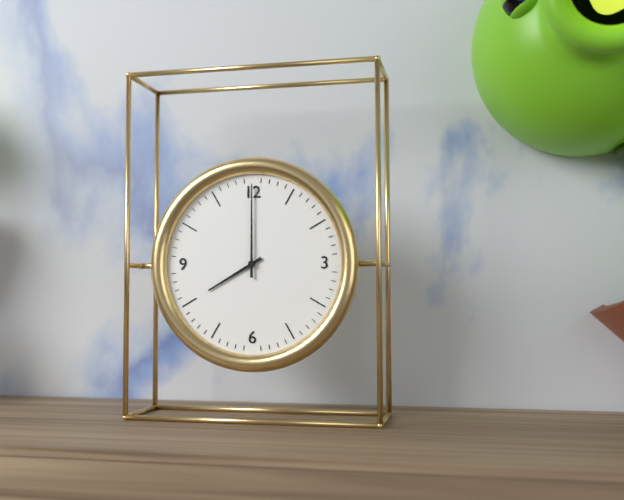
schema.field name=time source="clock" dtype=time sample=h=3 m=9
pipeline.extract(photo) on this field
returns h=8 m=0
